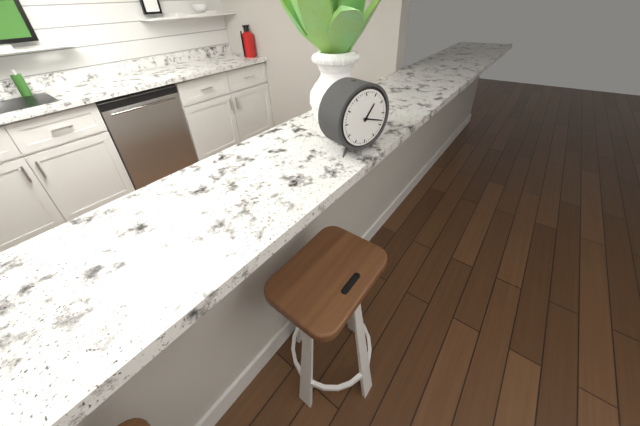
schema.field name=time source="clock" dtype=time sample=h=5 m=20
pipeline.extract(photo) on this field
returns h=1 m=18
